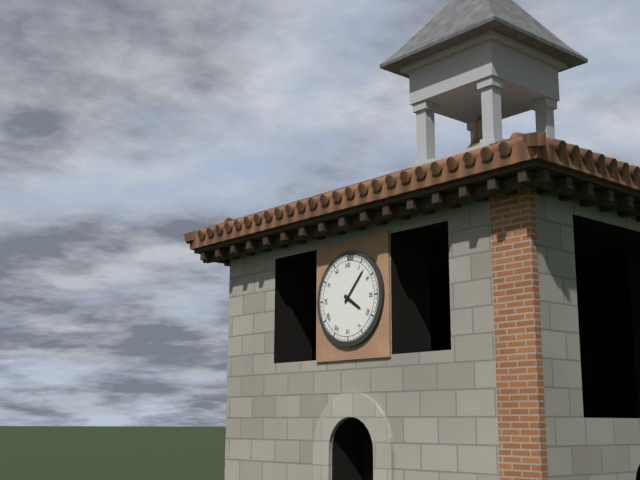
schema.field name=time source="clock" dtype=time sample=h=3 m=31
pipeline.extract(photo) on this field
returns h=4 m=7
